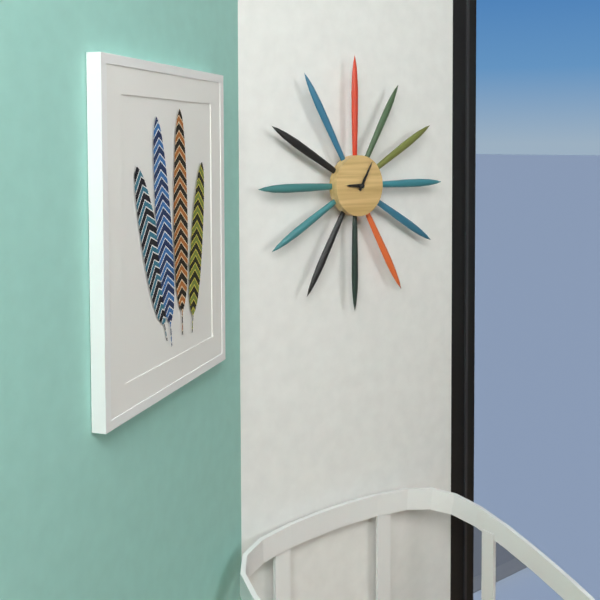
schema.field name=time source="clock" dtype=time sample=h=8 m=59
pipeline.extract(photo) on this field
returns h=9 m=5
